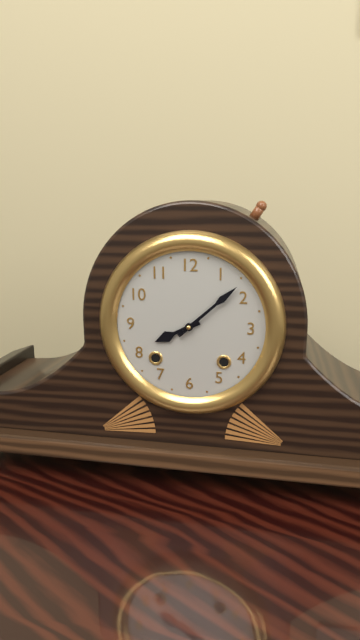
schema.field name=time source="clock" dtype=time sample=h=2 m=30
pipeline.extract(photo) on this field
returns h=8 m=8
